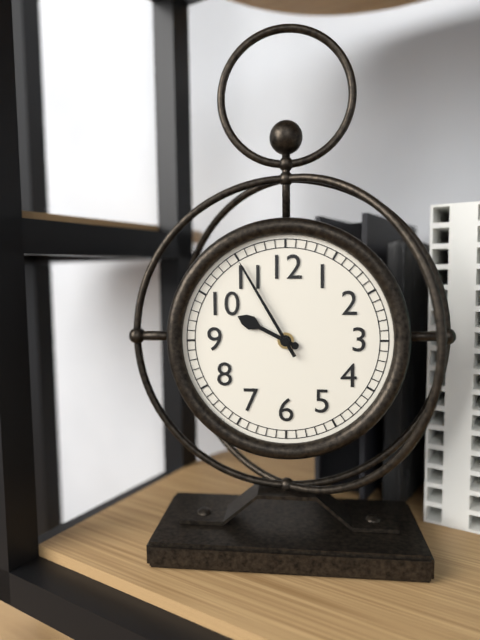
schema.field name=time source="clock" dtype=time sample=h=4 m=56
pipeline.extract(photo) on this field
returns h=9 m=55
